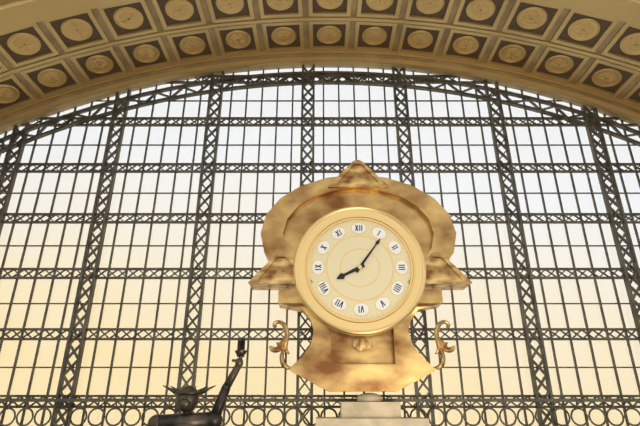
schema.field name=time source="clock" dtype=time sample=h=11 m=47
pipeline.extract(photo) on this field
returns h=8 m=6
